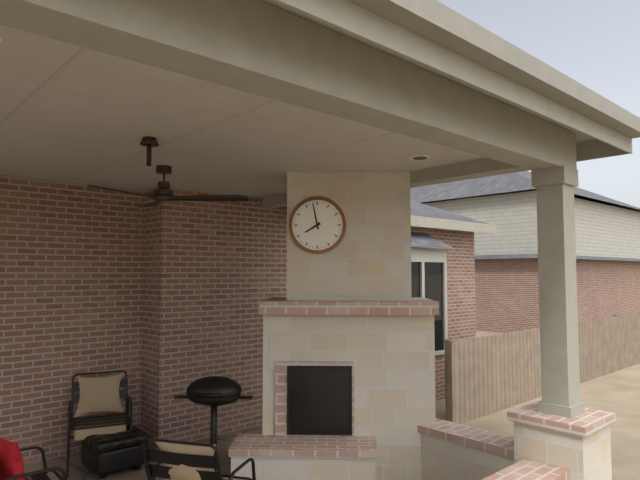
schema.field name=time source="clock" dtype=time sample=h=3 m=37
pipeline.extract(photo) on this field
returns h=7 m=58
